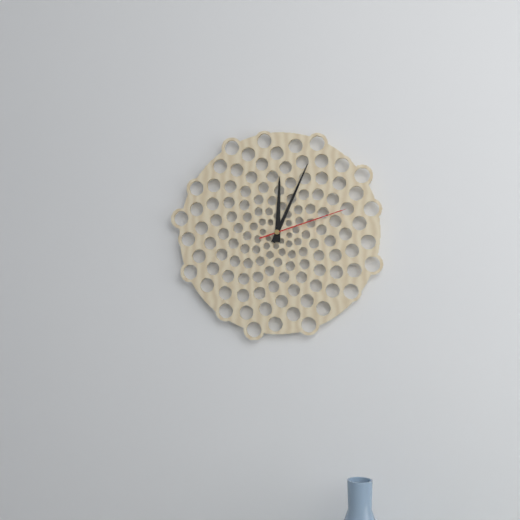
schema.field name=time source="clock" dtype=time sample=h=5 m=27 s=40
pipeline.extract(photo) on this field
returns h=12 m=4 s=12
